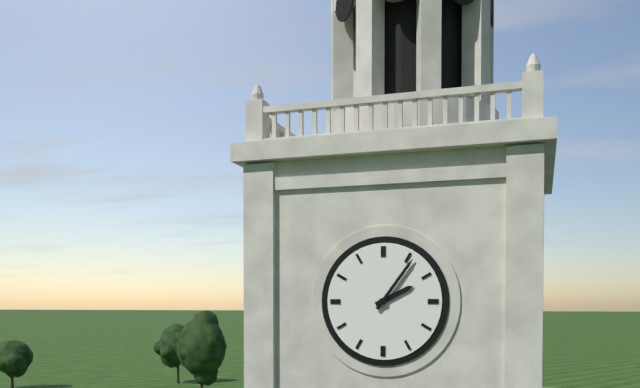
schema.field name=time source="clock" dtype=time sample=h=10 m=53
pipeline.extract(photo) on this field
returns h=2 m=6
